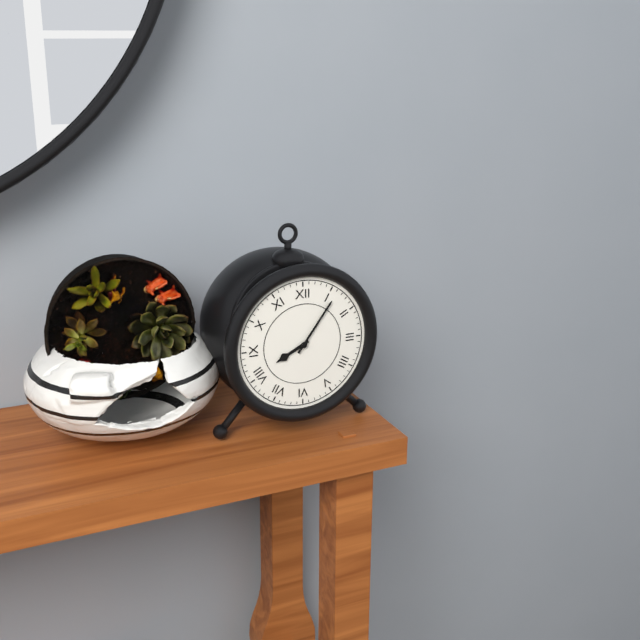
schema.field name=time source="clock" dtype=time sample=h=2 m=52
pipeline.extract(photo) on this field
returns h=8 m=6
